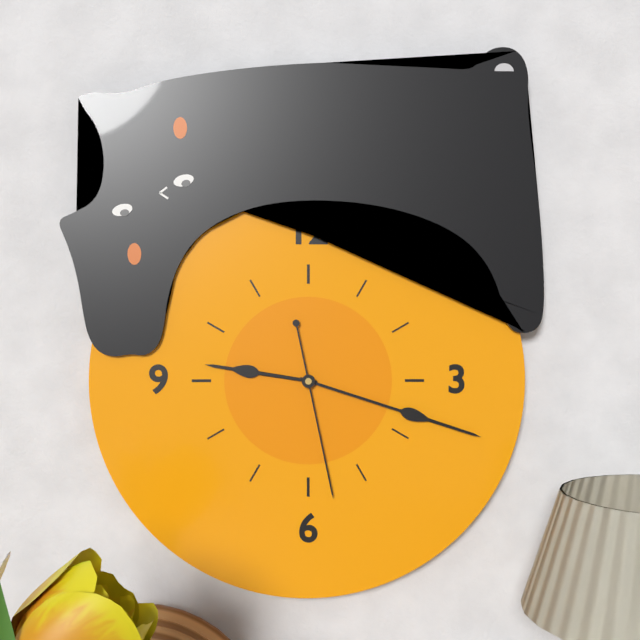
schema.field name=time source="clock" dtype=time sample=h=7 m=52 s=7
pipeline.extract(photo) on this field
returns h=9 m=18 s=28
